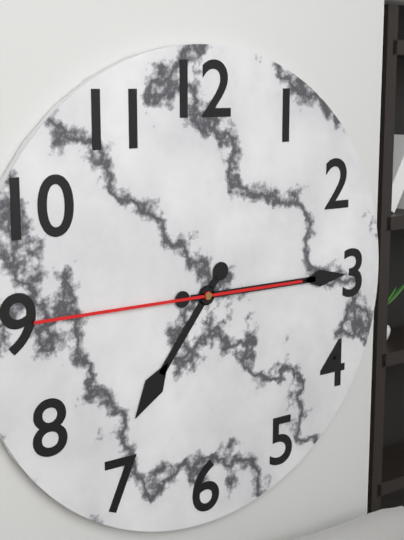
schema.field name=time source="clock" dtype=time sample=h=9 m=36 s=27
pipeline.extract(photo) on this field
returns h=7 m=15 s=45
